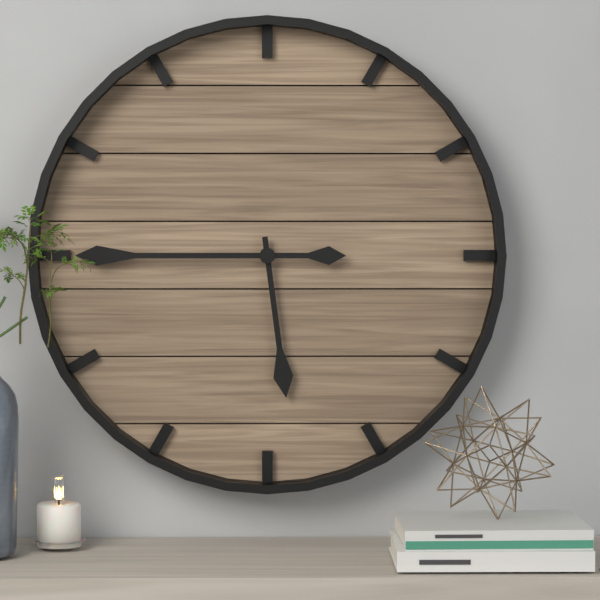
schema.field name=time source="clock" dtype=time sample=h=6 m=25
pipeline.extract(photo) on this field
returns h=5 m=45
